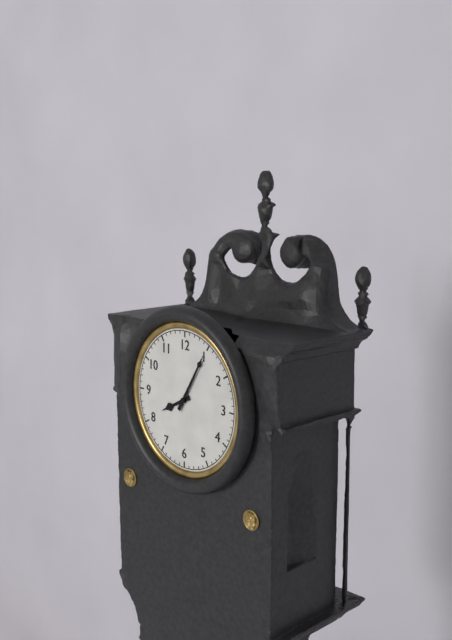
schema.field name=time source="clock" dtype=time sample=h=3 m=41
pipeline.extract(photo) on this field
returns h=8 m=5
